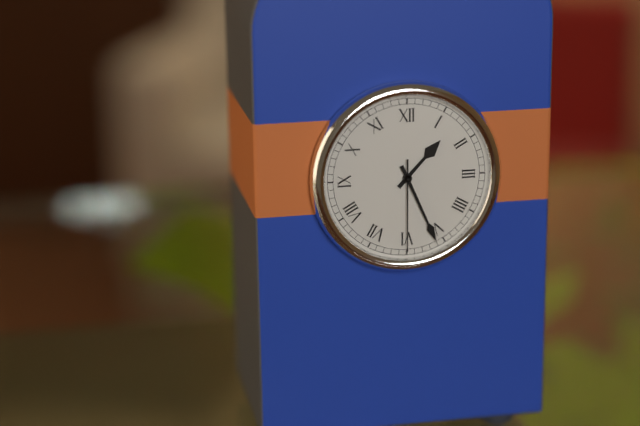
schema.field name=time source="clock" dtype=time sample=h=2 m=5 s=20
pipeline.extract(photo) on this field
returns h=1 m=26 s=30
